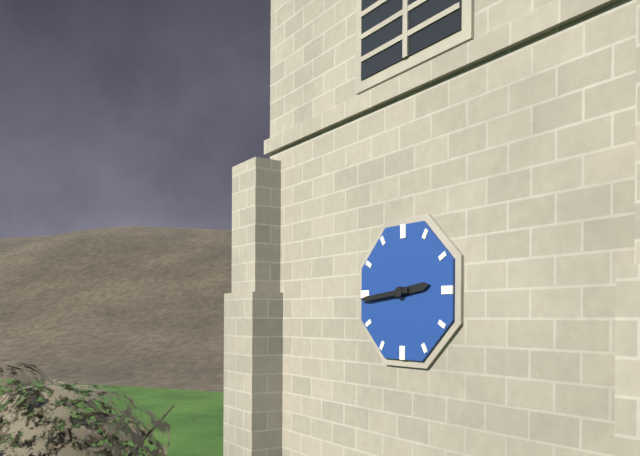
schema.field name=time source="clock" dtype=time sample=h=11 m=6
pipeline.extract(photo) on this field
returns h=2 m=44
